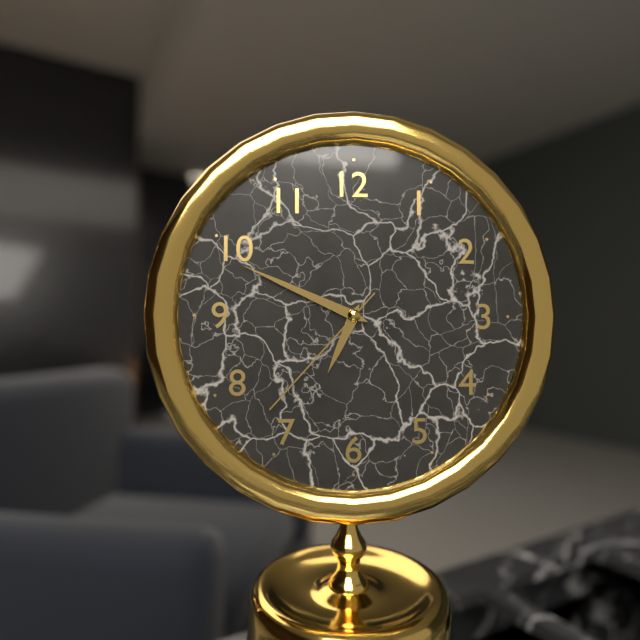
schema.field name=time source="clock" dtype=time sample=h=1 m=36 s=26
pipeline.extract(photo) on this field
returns h=6 m=49 s=37
